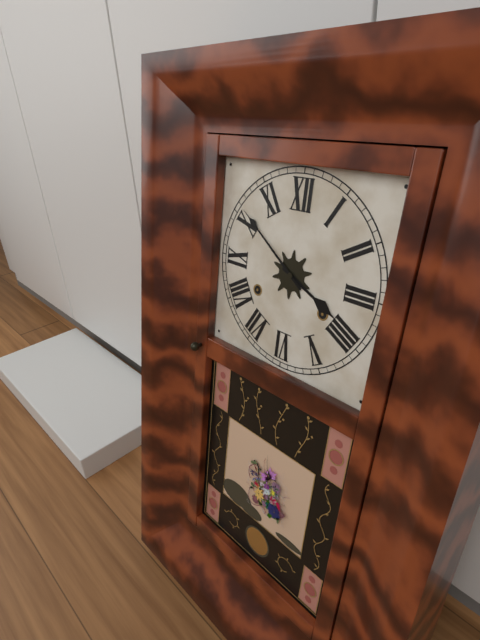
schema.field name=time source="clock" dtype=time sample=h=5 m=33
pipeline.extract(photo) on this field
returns h=3 m=51
